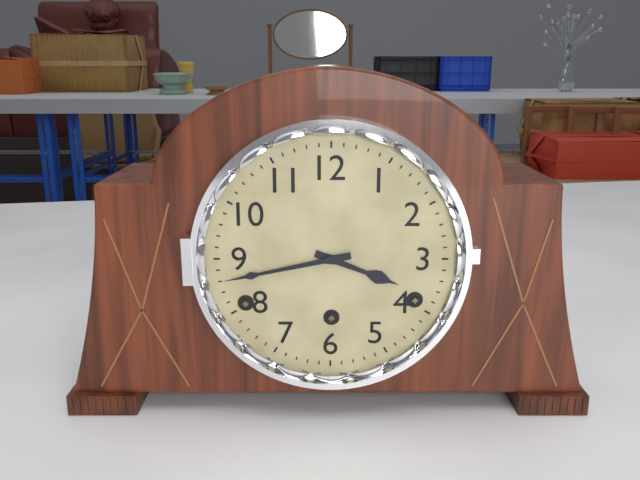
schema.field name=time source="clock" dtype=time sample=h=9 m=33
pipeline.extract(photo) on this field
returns h=3 m=43
